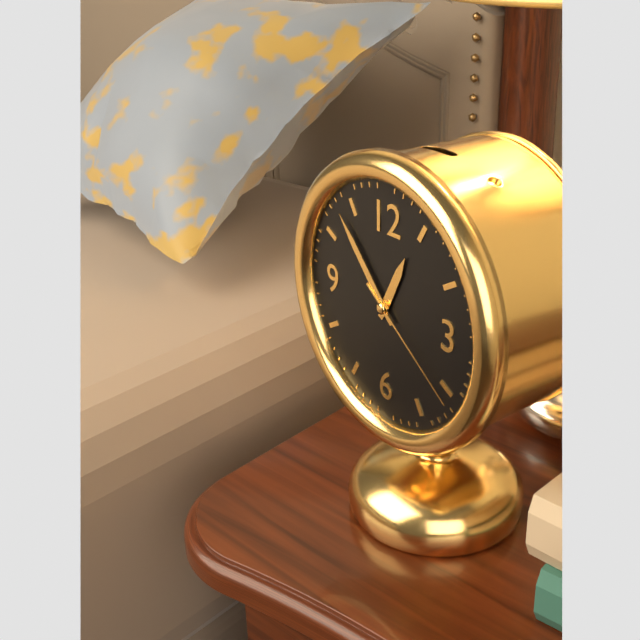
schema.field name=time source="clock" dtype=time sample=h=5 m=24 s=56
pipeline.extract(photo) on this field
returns h=12 m=53 s=21
